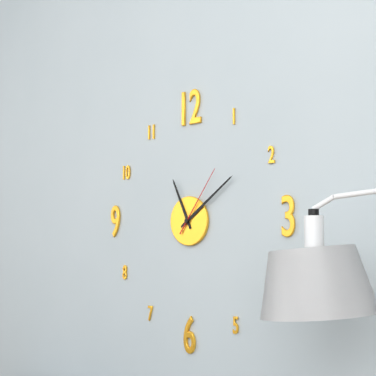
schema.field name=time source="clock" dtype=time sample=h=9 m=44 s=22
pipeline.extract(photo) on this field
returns h=11 m=9 s=6
